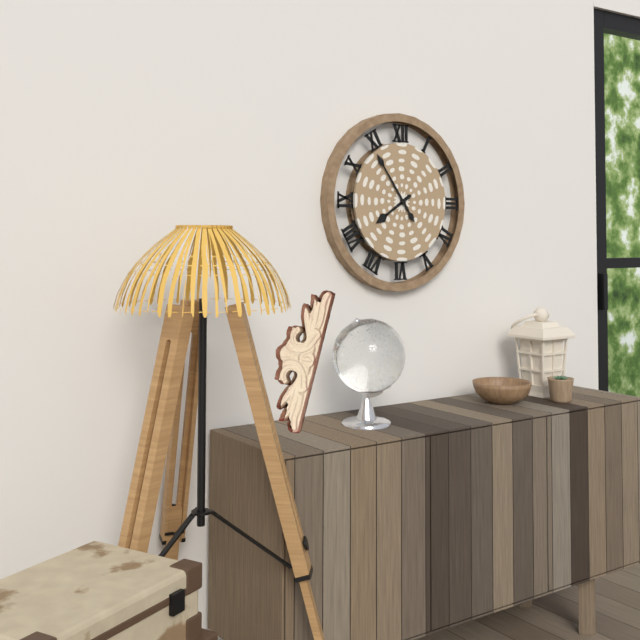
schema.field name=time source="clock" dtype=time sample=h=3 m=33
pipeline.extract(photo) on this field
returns h=7 m=54
